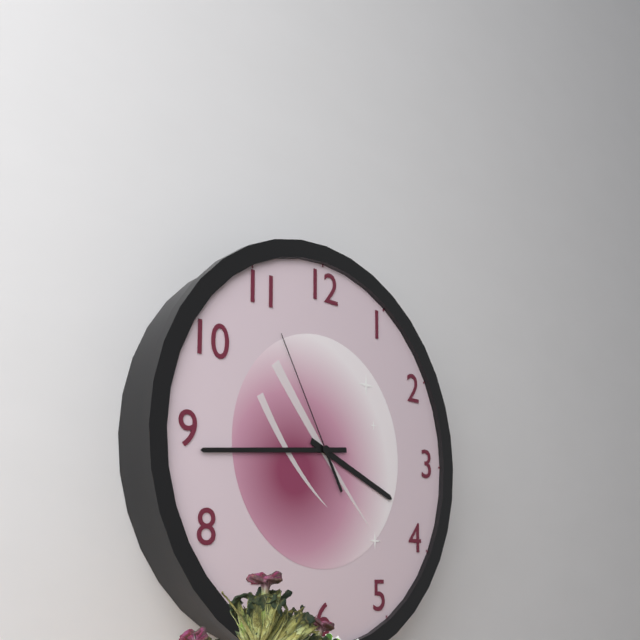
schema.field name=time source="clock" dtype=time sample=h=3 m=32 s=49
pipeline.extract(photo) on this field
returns h=3 m=44 s=55
